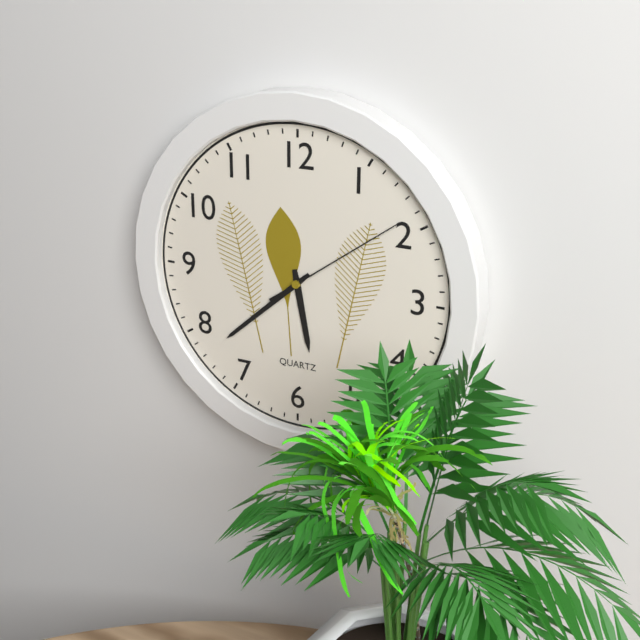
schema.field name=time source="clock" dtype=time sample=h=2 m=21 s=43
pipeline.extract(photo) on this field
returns h=5 m=38 s=9
